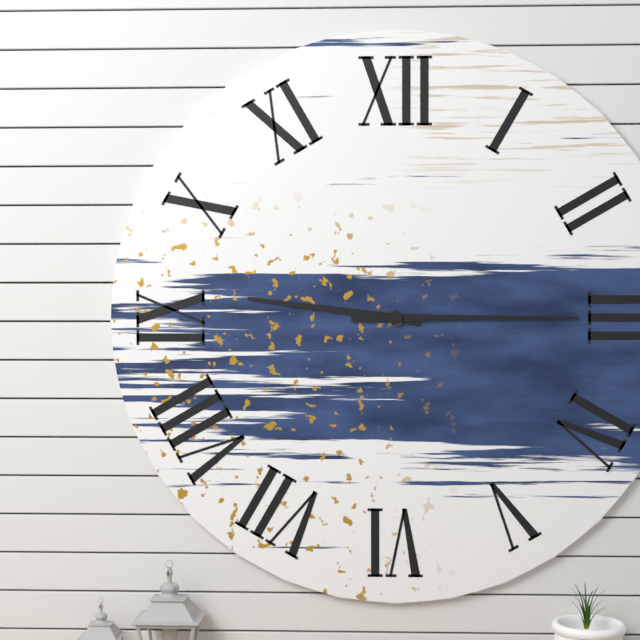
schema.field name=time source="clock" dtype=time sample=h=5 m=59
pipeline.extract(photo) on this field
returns h=9 m=15
